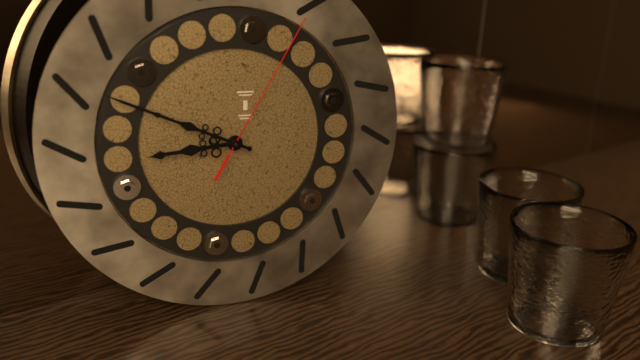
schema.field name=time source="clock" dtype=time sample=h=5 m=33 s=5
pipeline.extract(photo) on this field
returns h=8 m=49 s=5
